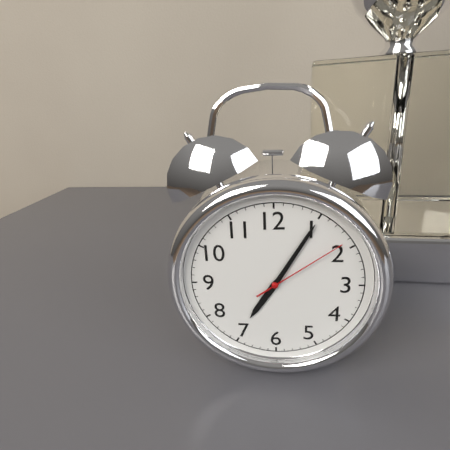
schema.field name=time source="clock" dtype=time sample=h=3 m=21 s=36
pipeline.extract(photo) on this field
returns h=7 m=5 s=9
